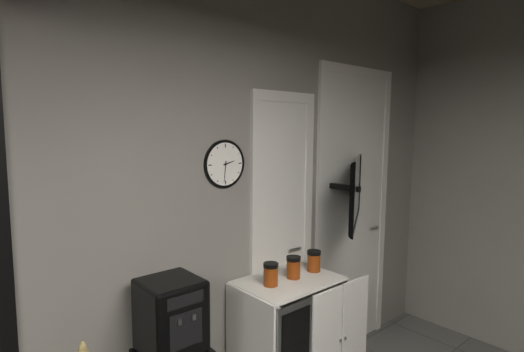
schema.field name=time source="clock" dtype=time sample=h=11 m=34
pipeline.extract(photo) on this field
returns h=2 m=31
